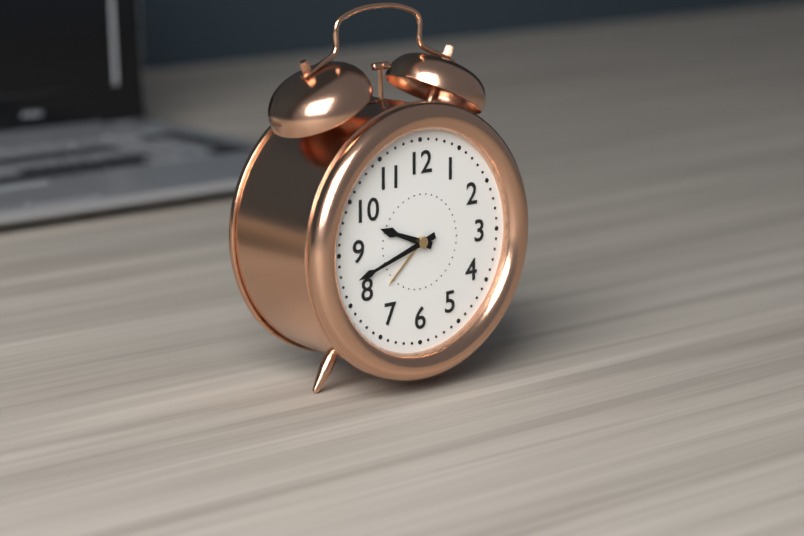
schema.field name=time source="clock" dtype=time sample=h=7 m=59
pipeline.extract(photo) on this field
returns h=9 m=42
